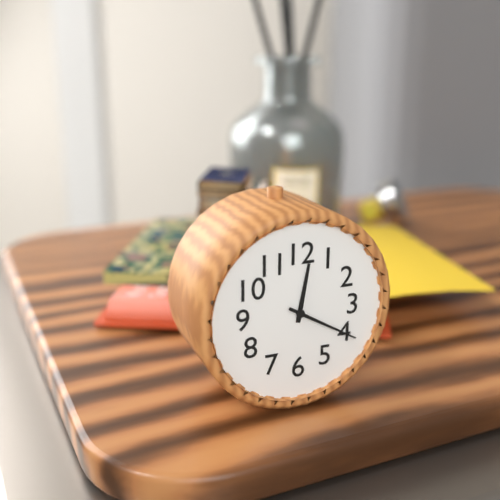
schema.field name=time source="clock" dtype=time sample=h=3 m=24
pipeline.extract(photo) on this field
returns h=12 m=20
